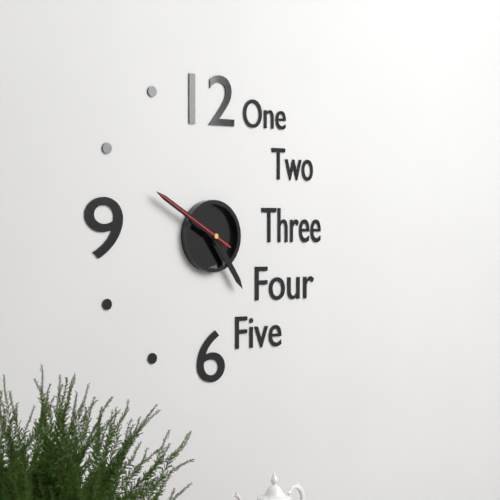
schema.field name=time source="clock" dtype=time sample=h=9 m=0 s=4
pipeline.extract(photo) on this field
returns h=4 m=50 s=50
